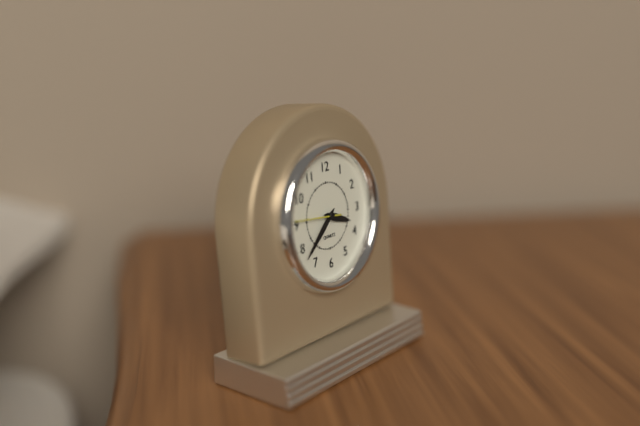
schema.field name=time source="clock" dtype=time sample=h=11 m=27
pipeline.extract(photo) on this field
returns h=3 m=38
